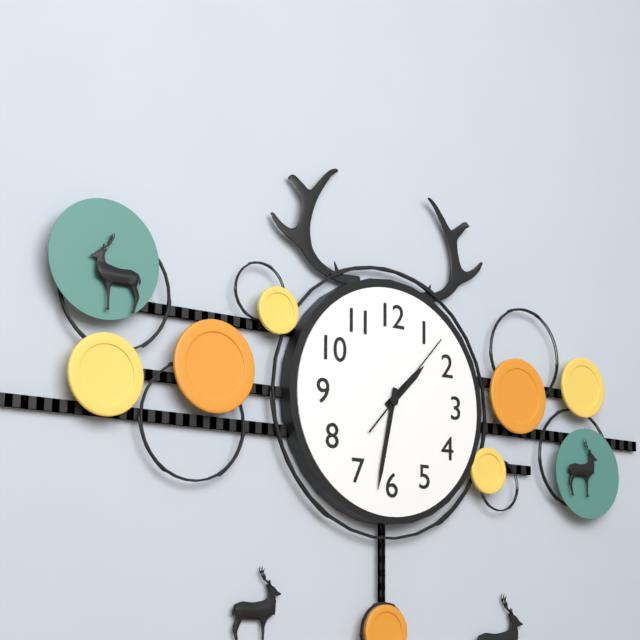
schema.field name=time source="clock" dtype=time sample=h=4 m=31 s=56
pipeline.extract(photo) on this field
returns h=1 m=32 s=7
